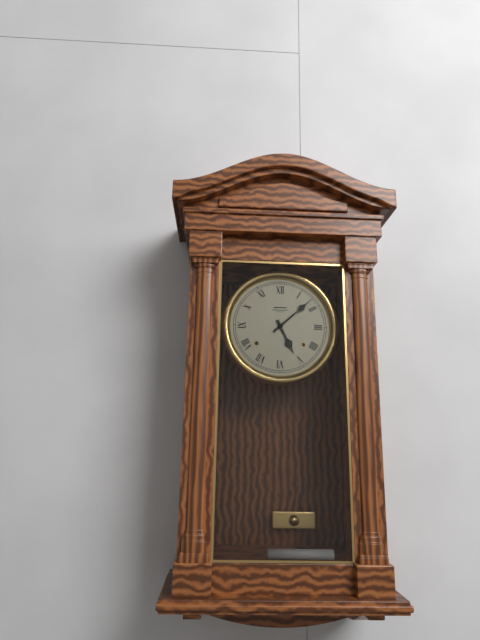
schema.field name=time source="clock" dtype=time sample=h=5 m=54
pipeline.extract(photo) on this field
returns h=5 m=8
